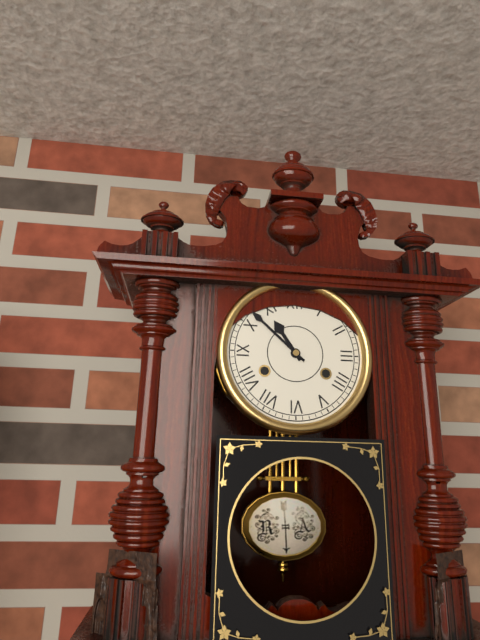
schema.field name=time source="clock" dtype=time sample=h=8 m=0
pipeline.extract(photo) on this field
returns h=10 m=52
